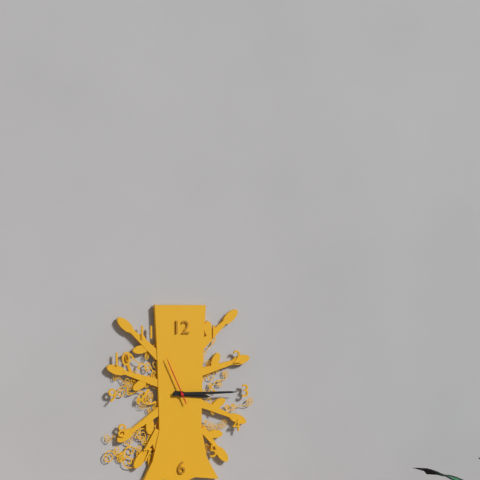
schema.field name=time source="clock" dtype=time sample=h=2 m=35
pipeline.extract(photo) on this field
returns h=3 m=15
